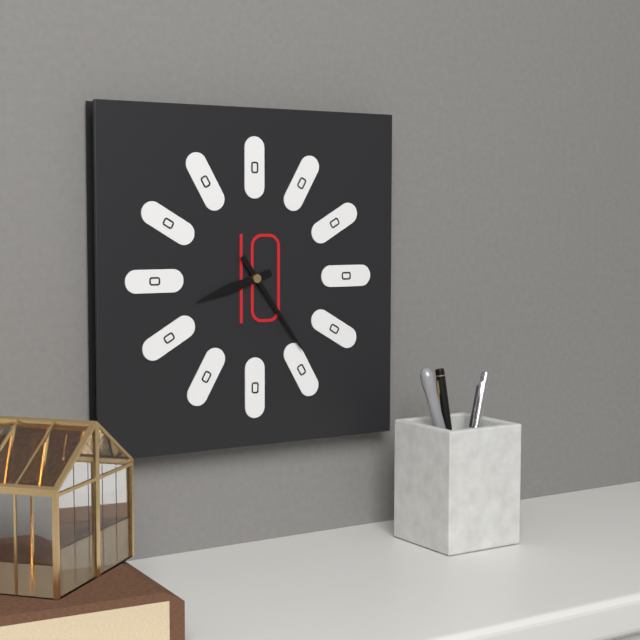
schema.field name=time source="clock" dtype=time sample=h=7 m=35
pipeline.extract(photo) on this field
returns h=8 m=24
